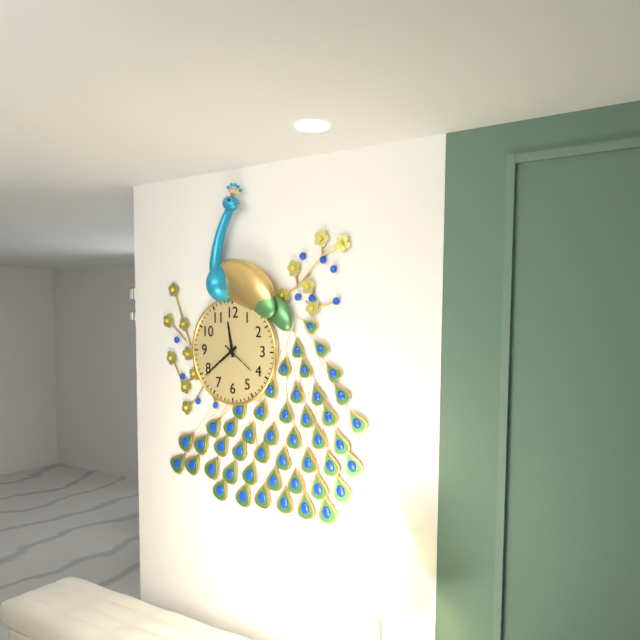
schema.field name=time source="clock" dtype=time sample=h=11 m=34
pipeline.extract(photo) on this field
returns h=11 m=39
